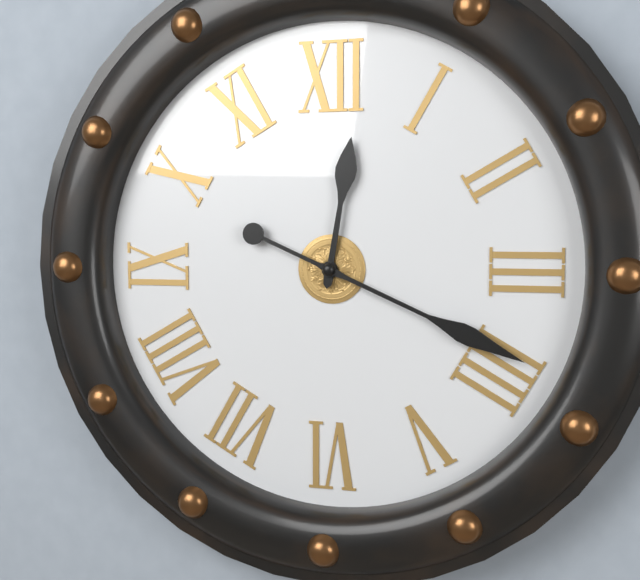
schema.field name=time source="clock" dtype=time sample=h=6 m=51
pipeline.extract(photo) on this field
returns h=12 m=19
